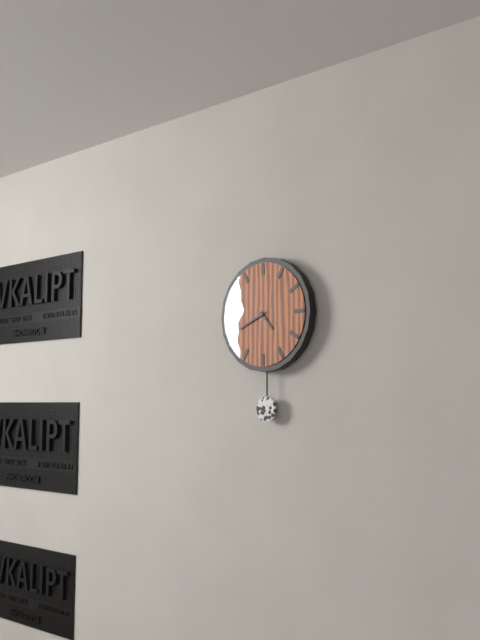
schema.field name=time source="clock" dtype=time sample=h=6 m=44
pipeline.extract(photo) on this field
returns h=4 m=41
